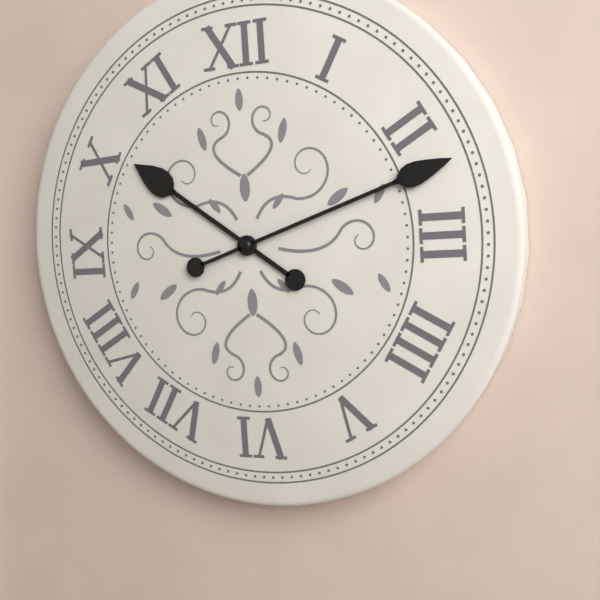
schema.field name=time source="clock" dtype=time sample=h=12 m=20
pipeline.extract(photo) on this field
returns h=10 m=12
